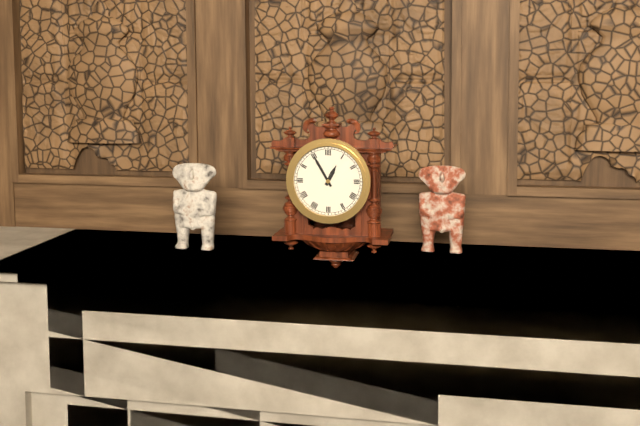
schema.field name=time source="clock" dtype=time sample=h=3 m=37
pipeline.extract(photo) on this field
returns h=12 m=55
